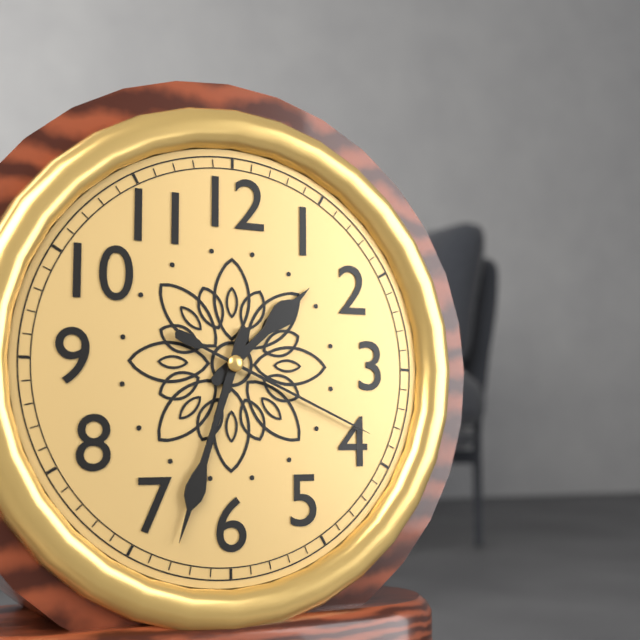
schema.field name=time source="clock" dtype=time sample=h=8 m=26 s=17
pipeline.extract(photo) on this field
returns h=1 m=33 s=19
